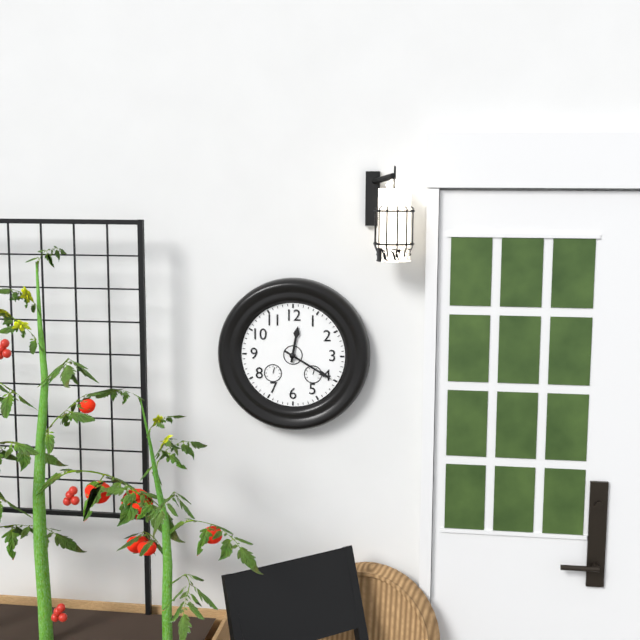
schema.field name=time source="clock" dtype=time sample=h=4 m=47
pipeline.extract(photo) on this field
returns h=12 m=20
